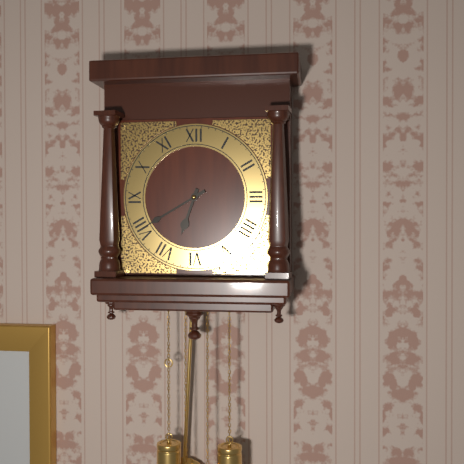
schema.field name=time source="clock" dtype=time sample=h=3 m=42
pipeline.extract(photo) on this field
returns h=6 m=40
